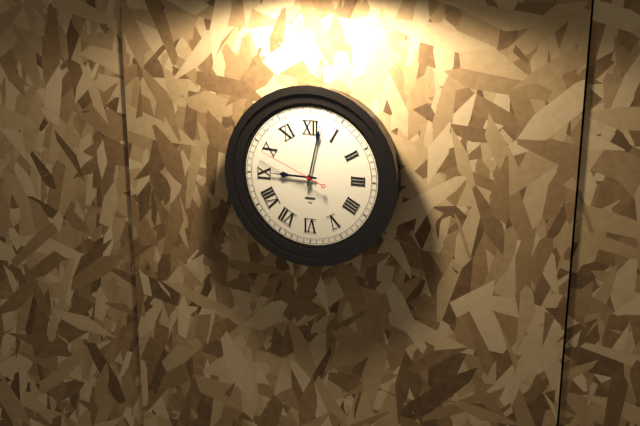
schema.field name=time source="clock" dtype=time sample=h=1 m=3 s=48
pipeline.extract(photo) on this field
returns h=9 m=2 s=49
